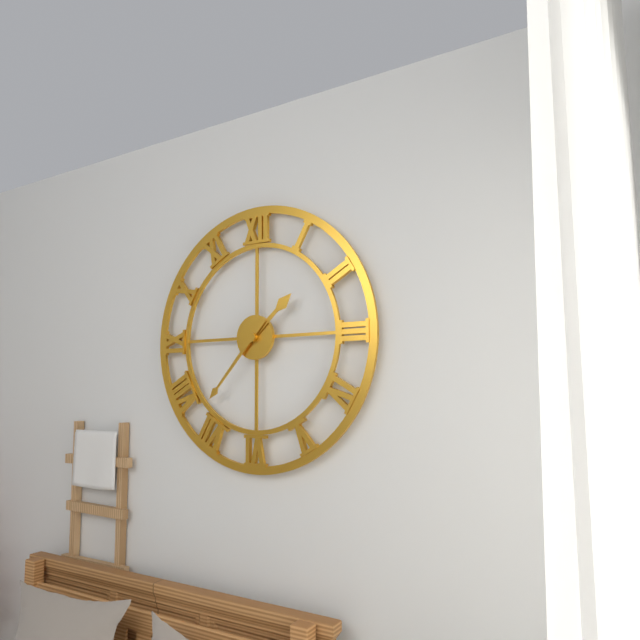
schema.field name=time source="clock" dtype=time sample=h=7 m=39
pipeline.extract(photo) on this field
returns h=1 m=37
